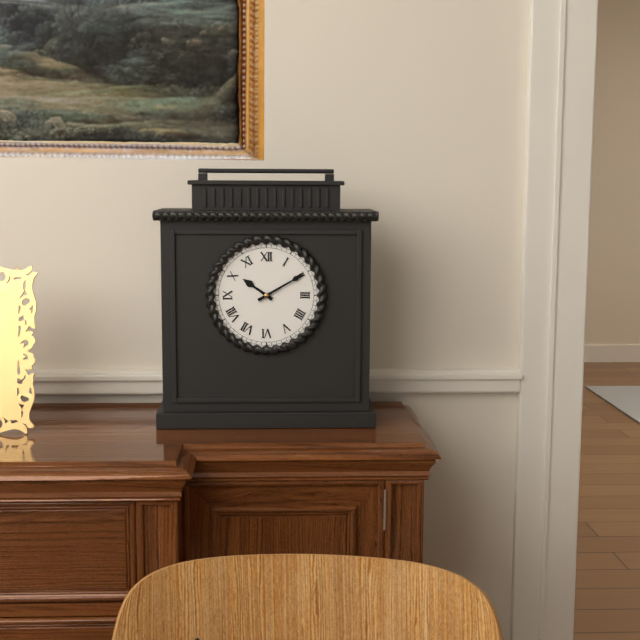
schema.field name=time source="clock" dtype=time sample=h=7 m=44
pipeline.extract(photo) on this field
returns h=10 m=10
